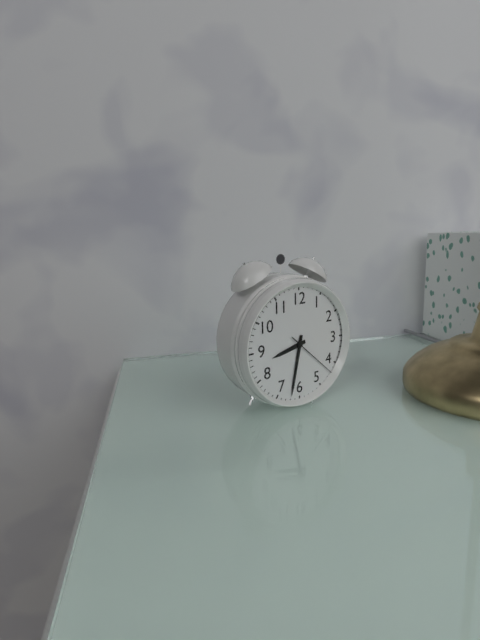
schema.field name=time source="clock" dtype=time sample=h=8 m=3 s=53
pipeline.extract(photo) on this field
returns h=8 m=32 s=22
